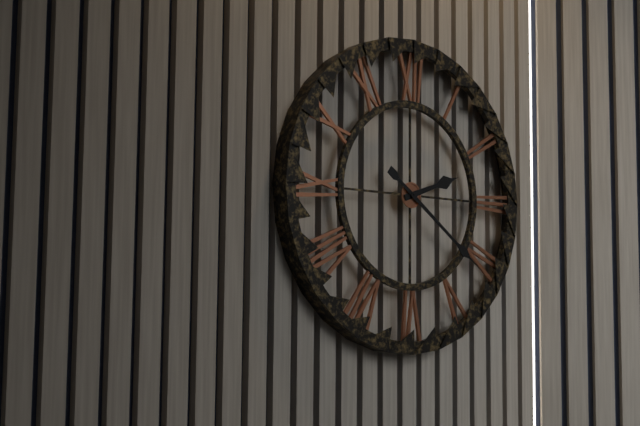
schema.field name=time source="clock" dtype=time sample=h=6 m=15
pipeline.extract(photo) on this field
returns h=2 m=21
